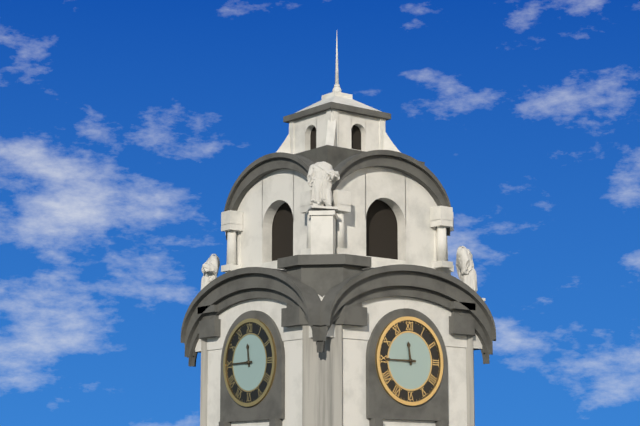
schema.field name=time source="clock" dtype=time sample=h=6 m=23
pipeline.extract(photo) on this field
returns h=11 m=45
